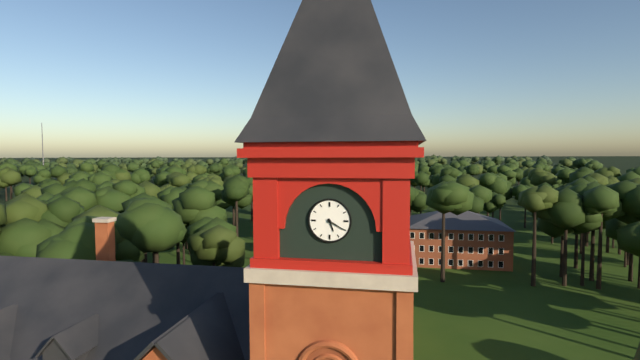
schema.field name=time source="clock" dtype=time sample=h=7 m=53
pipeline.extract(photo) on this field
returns h=5 m=20
